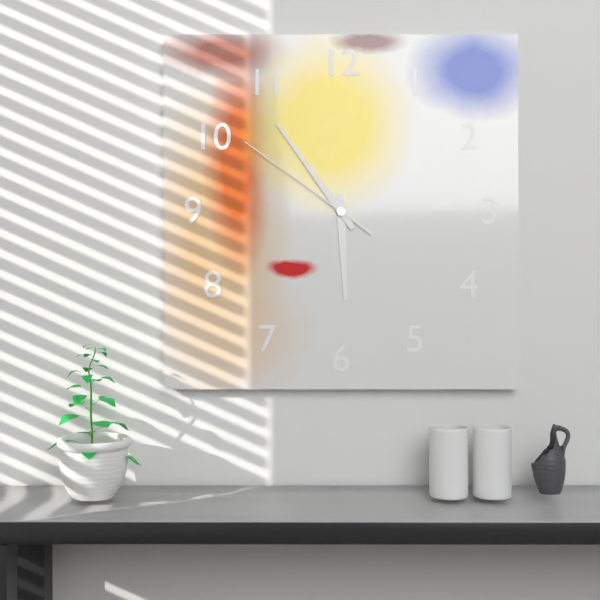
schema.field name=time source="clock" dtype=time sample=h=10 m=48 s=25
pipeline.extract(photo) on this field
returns h=5 m=54 s=51
